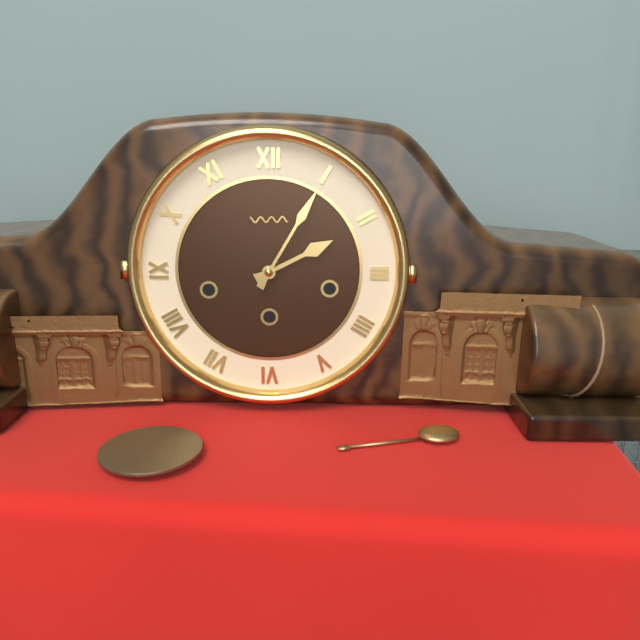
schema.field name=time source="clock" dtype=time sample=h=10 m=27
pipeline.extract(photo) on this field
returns h=2 m=5
